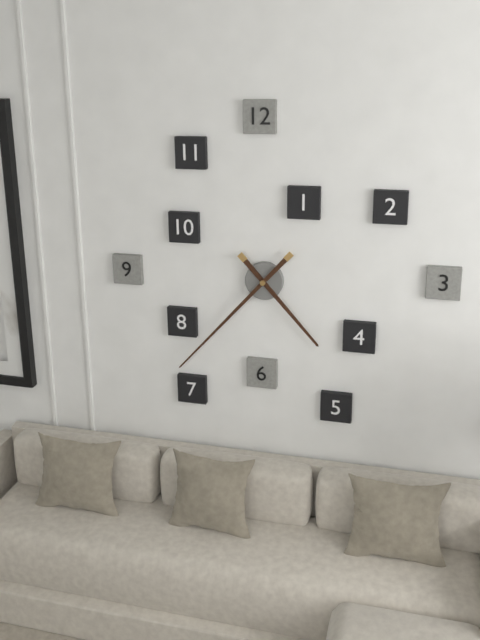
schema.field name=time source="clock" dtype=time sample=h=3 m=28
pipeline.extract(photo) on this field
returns h=4 m=37
